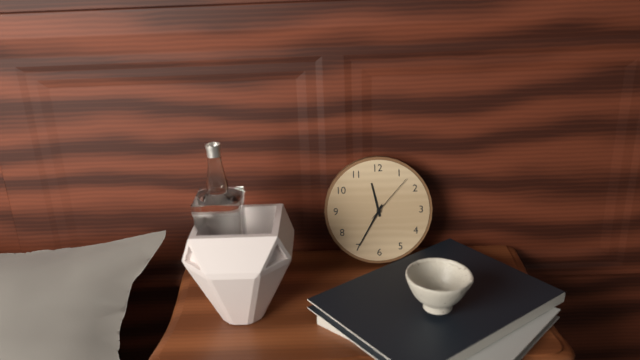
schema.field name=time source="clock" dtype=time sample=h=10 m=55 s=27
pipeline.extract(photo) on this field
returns h=11 m=35 s=7
